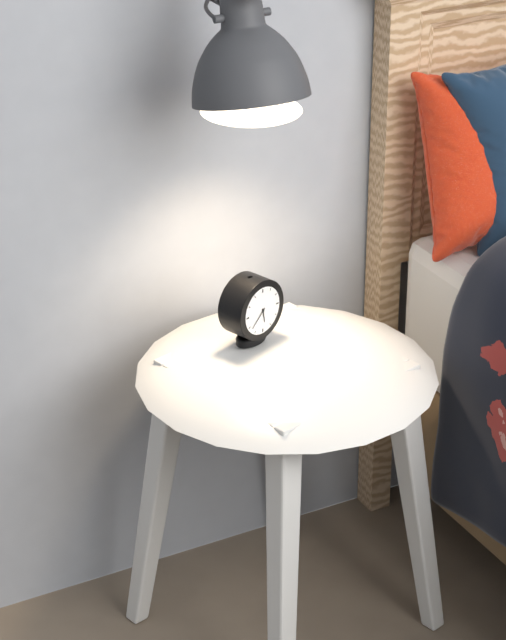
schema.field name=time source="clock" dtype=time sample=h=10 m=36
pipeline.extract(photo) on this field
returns h=5 m=38
